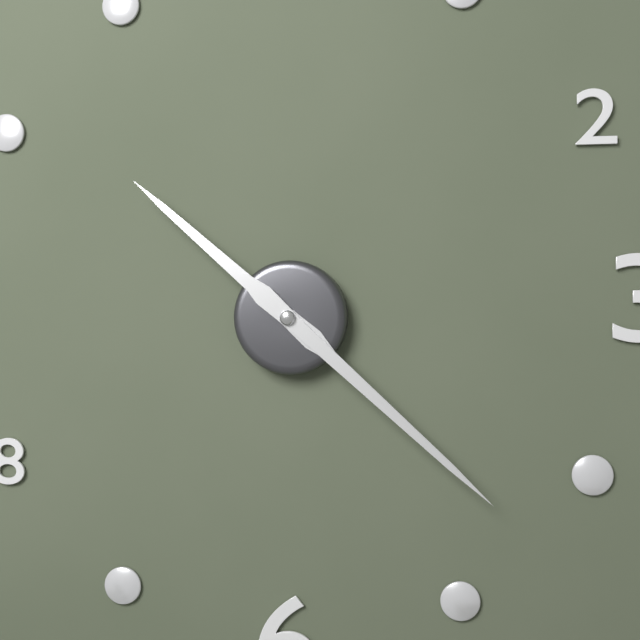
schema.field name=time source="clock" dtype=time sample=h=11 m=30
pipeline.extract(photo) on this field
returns h=10 m=22
